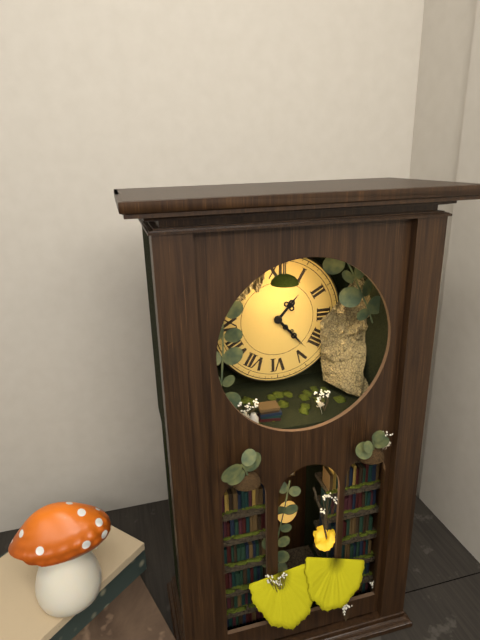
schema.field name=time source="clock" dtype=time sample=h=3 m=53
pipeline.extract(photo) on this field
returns h=1 m=23
